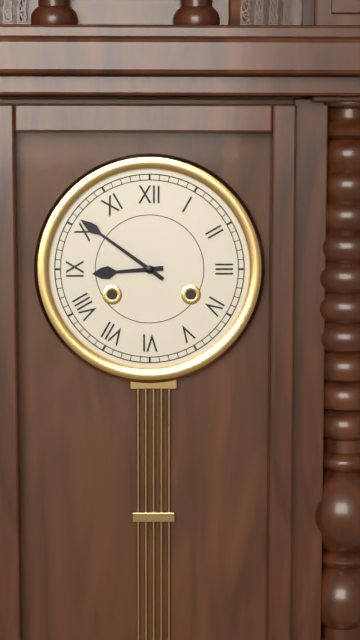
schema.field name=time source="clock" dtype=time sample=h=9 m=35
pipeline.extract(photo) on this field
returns h=8 m=51
